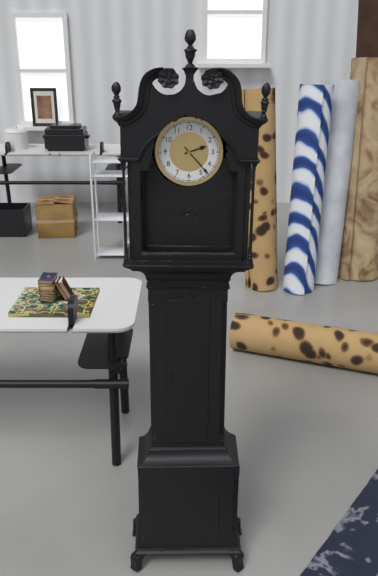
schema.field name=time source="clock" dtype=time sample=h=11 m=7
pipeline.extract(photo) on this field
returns h=2 m=23
